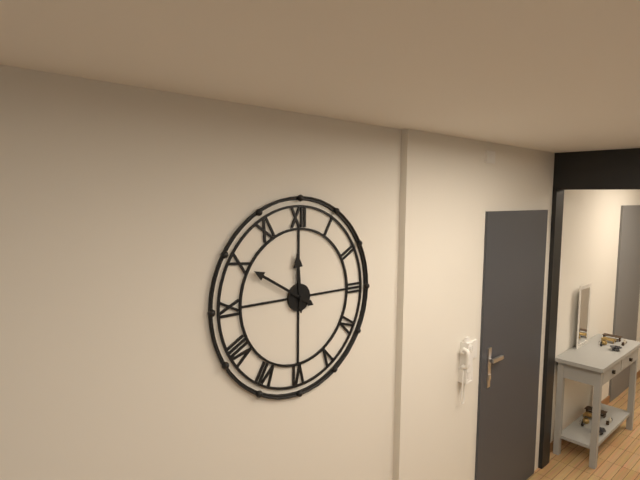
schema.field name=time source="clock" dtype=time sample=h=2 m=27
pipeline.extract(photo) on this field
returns h=11 m=50
